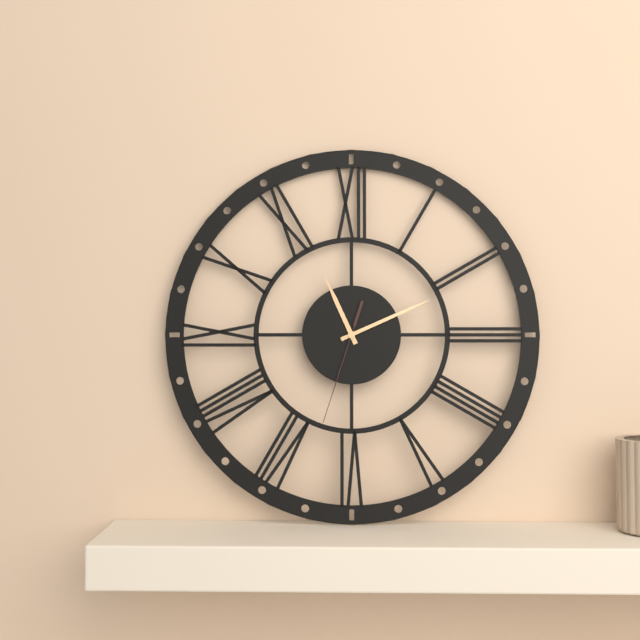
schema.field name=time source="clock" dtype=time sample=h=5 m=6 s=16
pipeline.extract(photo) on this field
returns h=11 m=11 s=33
